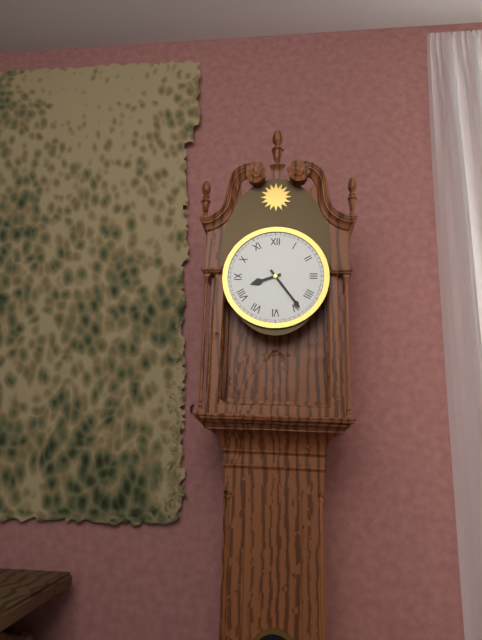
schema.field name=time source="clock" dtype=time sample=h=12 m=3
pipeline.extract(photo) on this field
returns h=8 m=24
